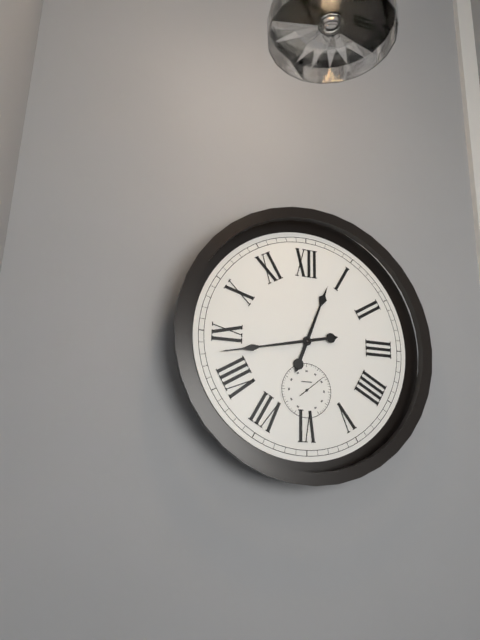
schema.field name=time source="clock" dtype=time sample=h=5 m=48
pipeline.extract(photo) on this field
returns h=12 m=43
